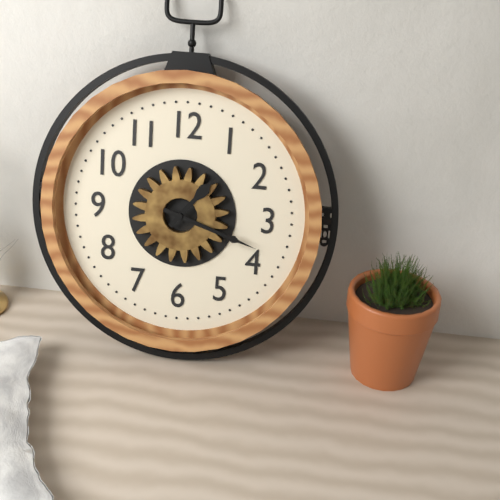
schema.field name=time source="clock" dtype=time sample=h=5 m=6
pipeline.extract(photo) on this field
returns h=1 m=18
